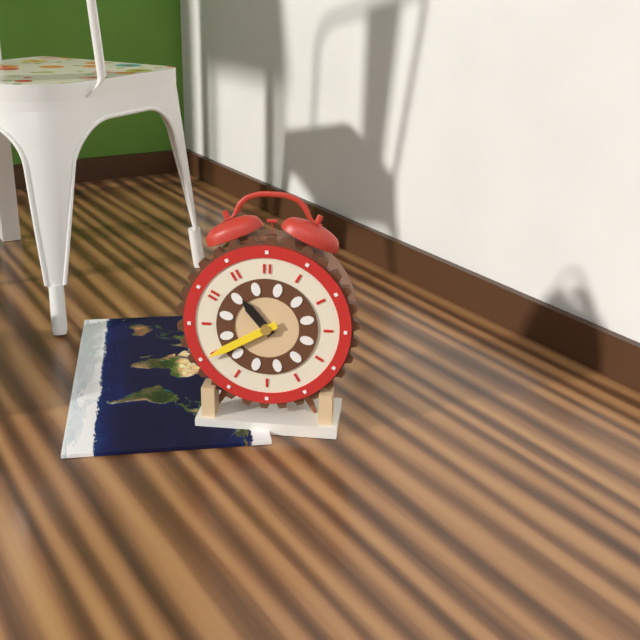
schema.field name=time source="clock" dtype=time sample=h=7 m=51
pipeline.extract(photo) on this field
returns h=10 m=40
